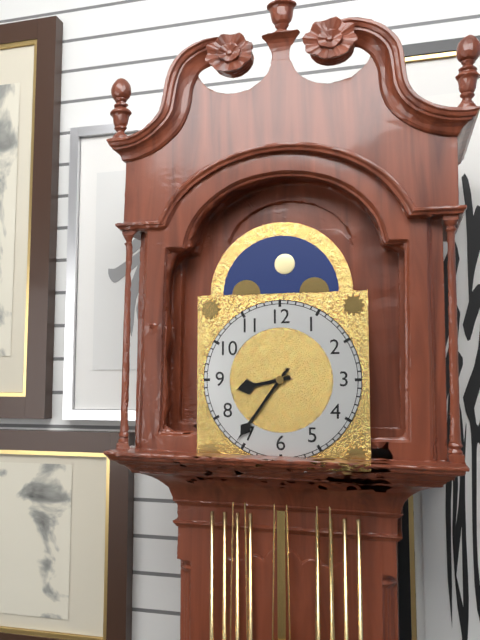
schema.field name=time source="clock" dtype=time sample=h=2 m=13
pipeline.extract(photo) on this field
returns h=8 m=36
